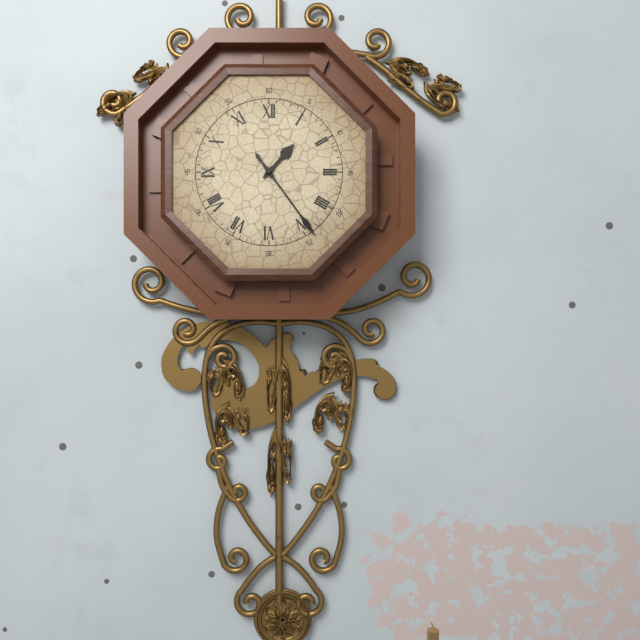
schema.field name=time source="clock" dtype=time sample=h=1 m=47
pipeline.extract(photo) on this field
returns h=1 m=24
